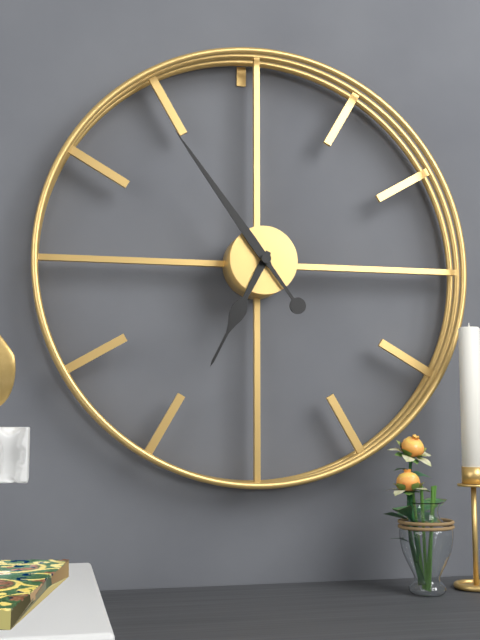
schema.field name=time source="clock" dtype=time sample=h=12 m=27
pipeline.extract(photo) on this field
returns h=6 m=54
